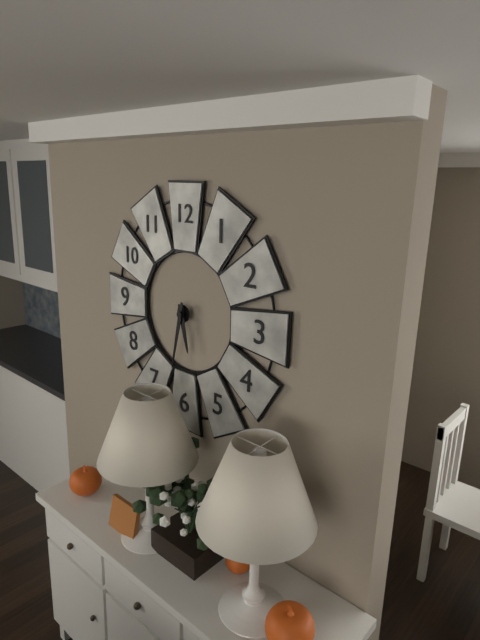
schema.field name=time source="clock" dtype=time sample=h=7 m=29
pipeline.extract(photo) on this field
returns h=5 m=32
